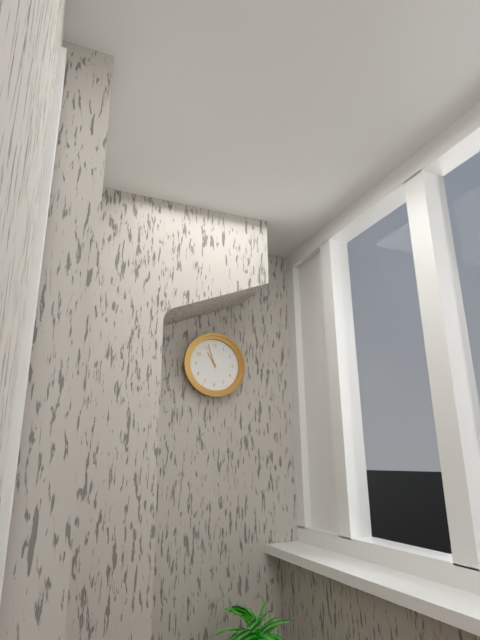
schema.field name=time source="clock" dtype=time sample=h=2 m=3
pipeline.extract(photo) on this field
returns h=10 m=57
